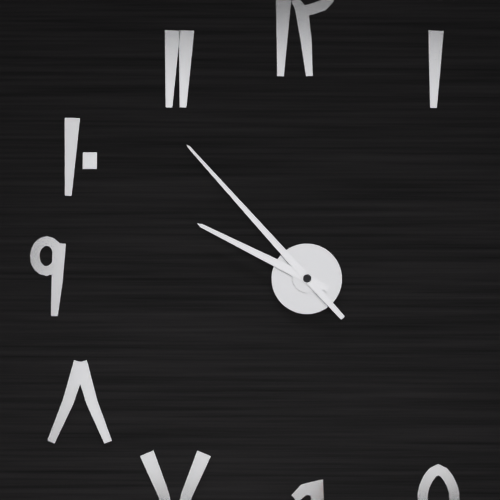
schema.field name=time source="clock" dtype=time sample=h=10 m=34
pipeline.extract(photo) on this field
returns h=9 m=53
